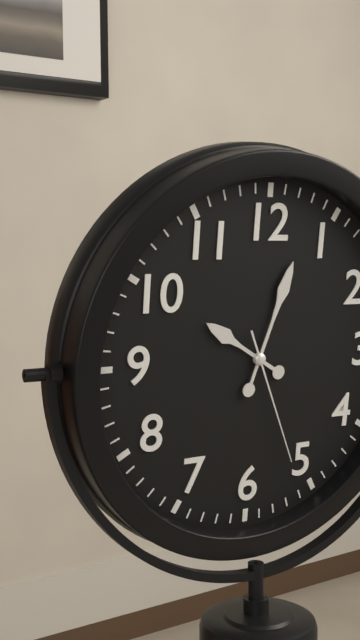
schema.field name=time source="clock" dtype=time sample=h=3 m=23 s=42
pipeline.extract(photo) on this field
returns h=10 m=3 s=26
